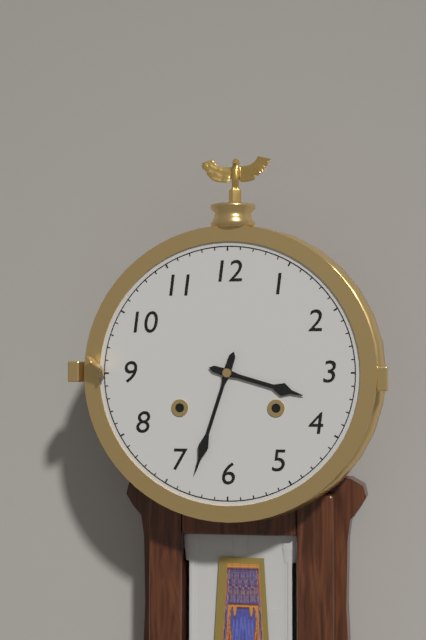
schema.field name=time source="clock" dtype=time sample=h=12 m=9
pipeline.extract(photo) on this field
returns h=3 m=33
